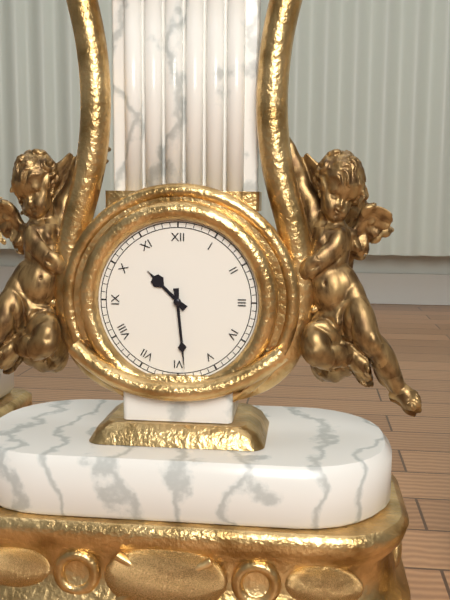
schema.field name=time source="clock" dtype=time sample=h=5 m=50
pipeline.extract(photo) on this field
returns h=10 m=29
